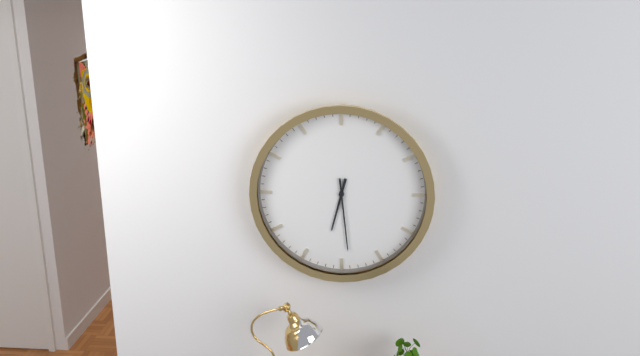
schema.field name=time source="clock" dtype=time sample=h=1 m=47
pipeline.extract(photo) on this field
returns h=6 m=29
